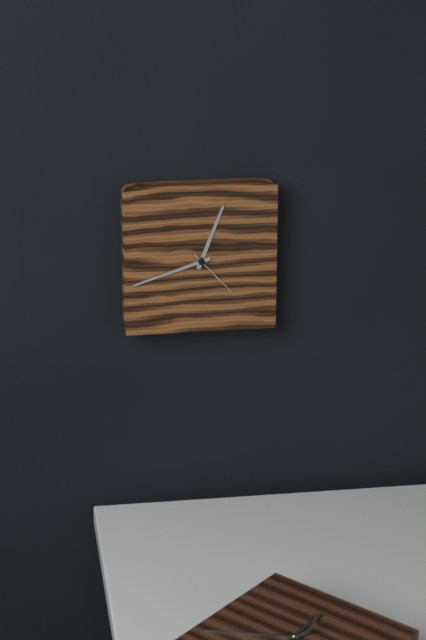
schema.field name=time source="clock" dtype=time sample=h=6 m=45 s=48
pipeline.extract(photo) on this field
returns h=12 m=42 s=23
